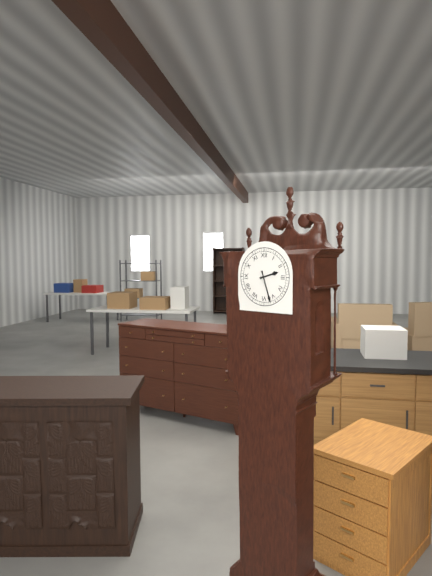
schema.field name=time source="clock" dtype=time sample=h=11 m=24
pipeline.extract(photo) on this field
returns h=2 m=27
